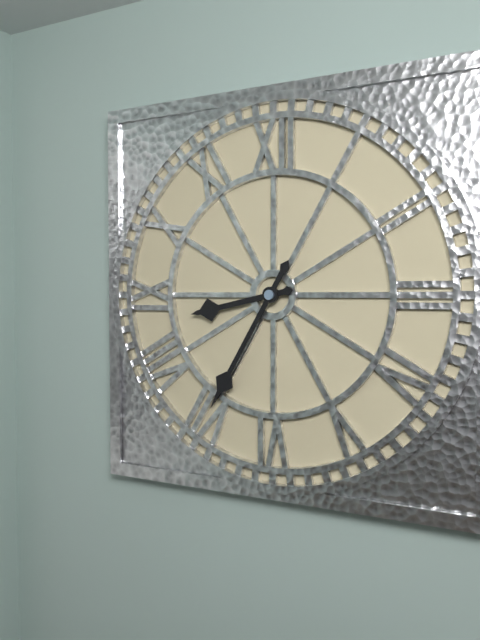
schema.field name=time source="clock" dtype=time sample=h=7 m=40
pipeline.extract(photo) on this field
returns h=8 m=35
